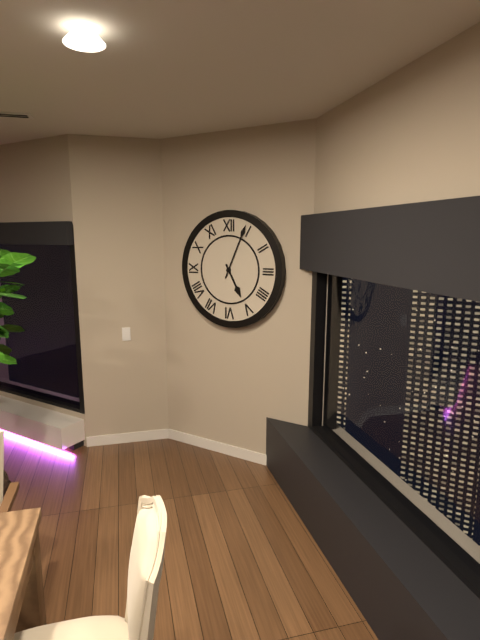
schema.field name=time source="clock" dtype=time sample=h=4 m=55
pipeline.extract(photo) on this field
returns h=5 m=4
